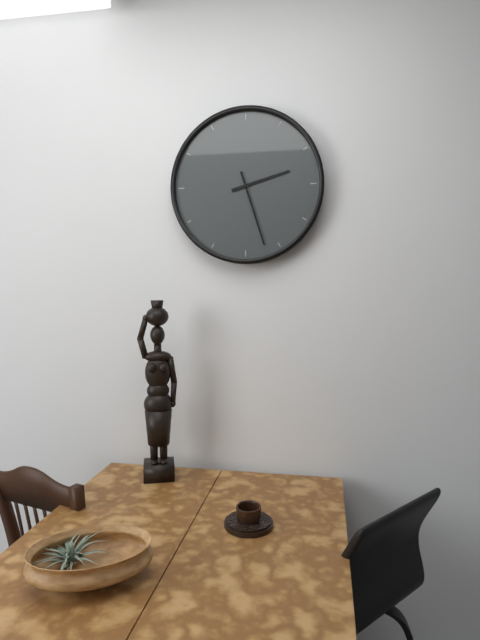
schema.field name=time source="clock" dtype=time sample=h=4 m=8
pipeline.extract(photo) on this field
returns h=2 m=27
